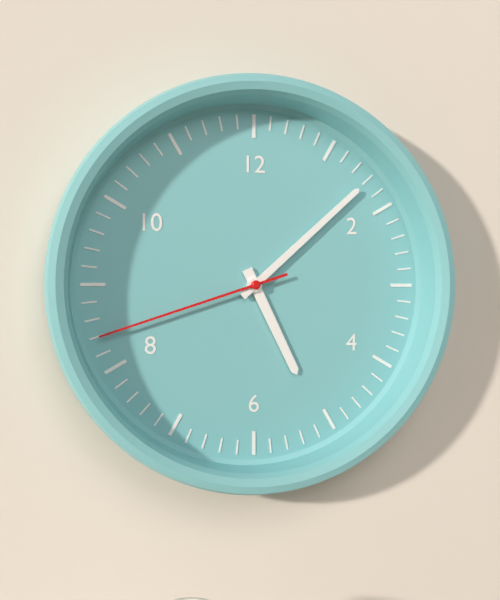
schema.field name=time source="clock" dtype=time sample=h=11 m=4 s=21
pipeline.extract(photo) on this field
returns h=5 m=8 s=42
